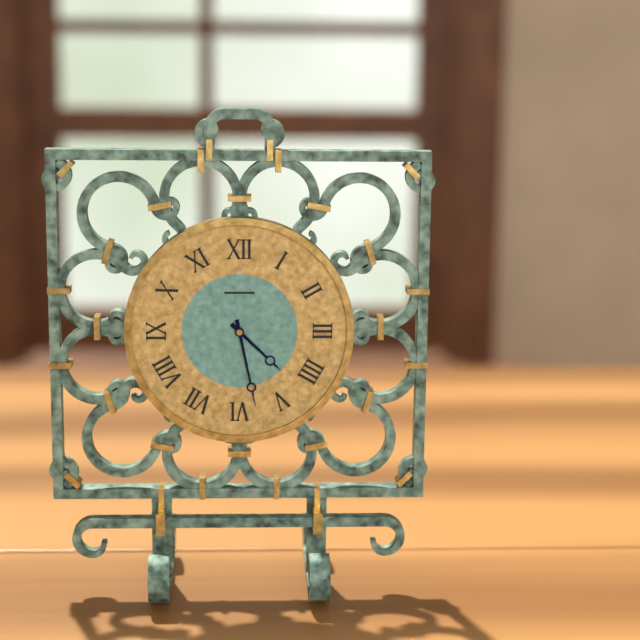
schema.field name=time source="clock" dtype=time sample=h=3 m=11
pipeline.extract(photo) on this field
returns h=4 m=28
